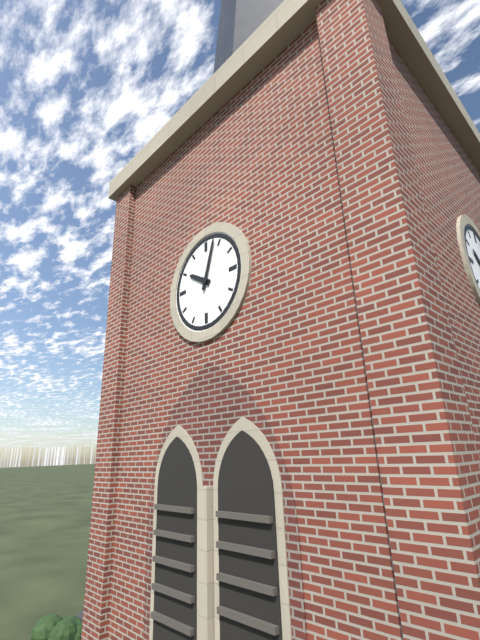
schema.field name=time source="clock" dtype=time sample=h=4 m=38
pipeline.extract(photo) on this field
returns h=10 m=3
